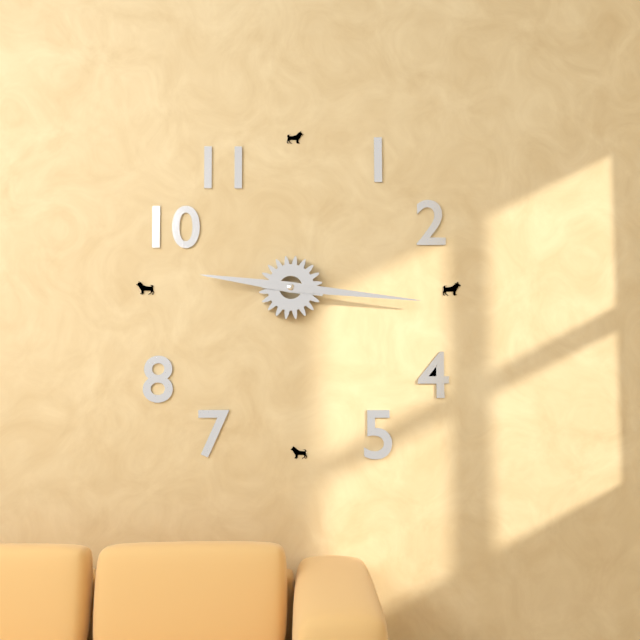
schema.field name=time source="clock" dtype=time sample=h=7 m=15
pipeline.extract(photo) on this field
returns h=9 m=16
